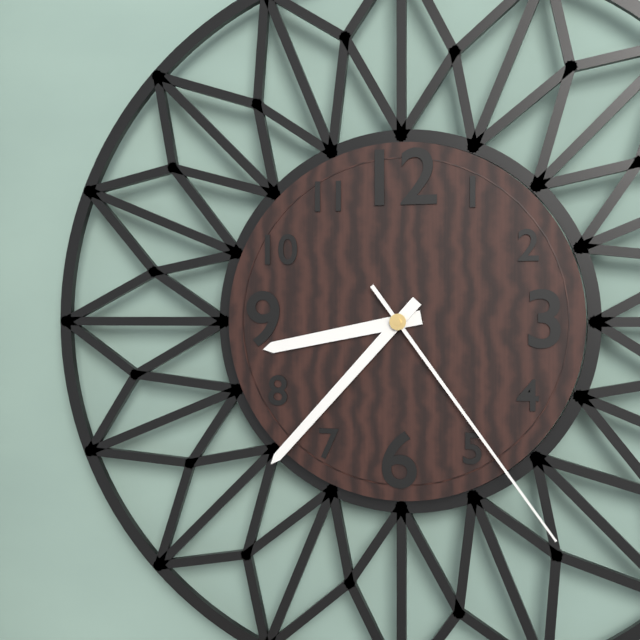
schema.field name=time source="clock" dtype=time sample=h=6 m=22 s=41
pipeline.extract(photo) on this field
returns h=8 m=37 s=24
